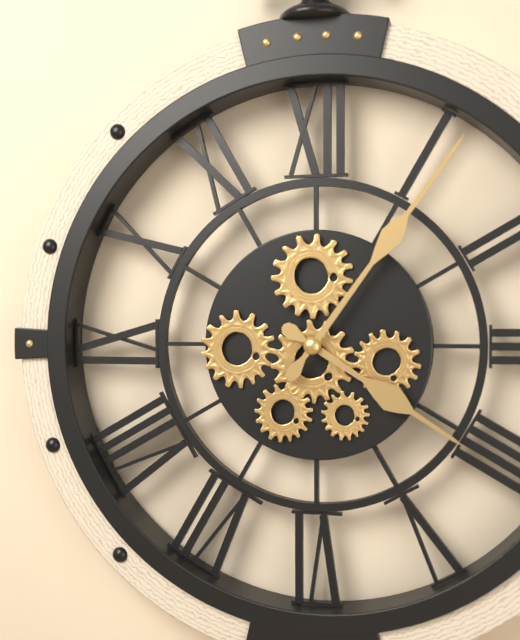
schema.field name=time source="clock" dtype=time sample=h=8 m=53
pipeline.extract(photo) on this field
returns h=4 m=6
